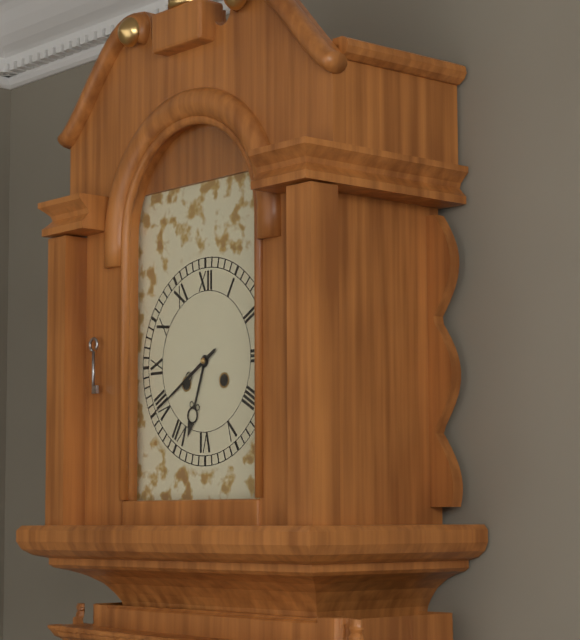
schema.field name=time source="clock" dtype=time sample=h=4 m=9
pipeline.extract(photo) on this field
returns h=6 m=40
